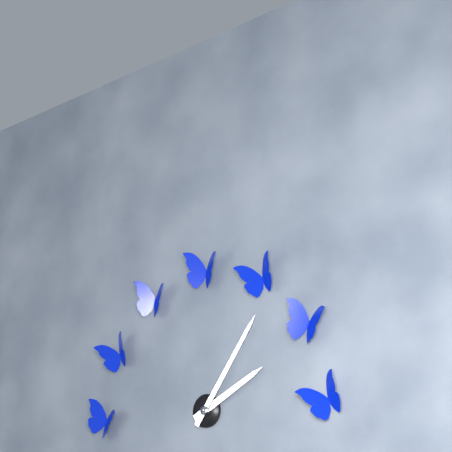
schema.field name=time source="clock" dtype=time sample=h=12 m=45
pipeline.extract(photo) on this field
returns h=2 m=6
